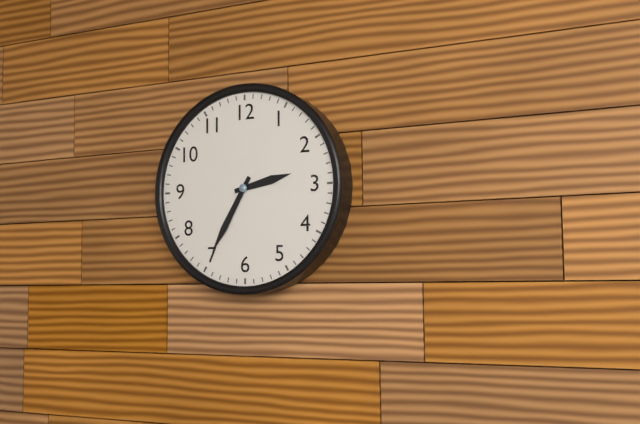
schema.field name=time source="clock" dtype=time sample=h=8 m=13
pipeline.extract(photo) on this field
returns h=2 m=35
